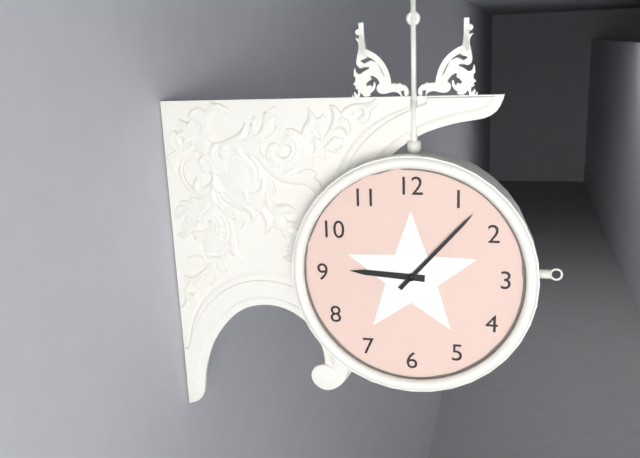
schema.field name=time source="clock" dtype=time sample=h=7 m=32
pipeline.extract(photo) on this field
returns h=9 m=7
